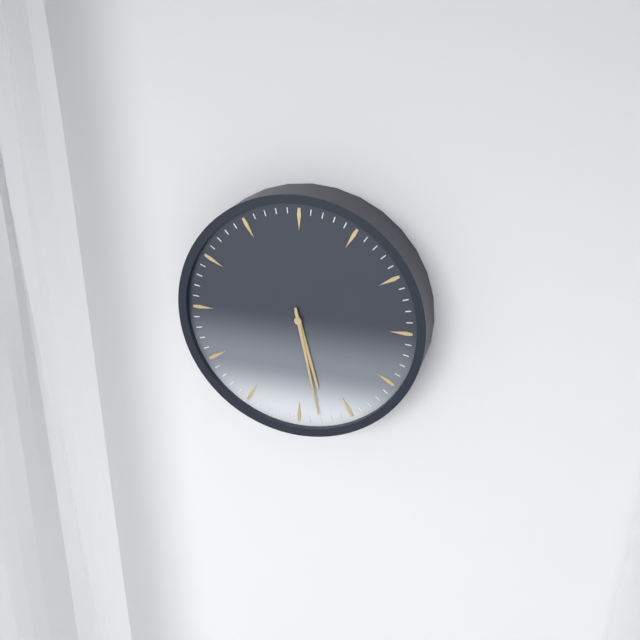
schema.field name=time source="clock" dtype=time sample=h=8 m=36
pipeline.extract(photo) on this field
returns h=5 m=28
